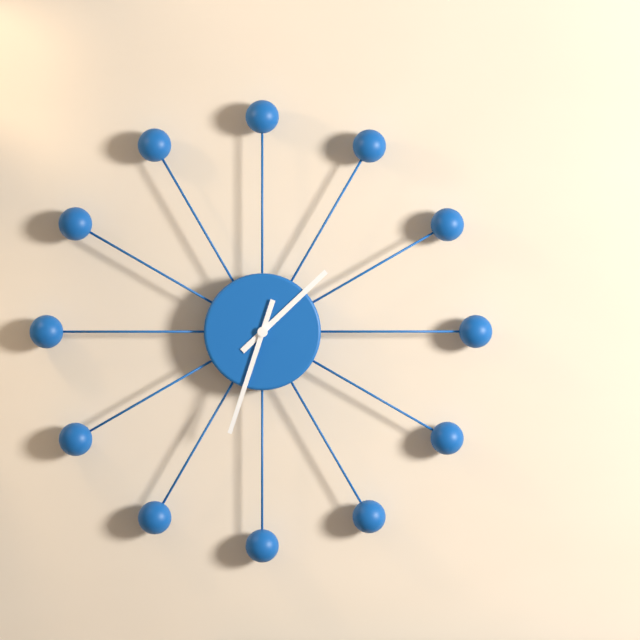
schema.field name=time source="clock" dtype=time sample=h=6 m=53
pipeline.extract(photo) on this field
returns h=1 m=33
